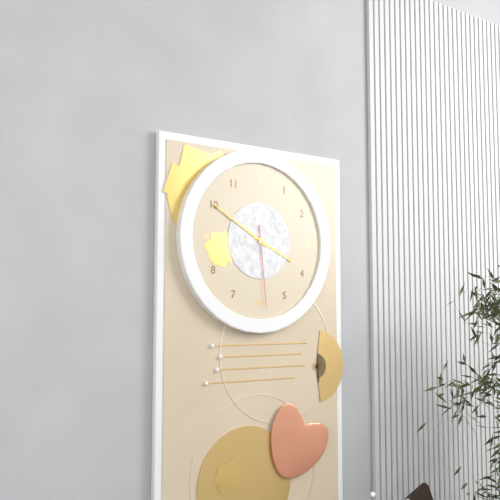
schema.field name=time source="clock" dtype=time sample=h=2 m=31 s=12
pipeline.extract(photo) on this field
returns h=3 m=50 s=29
